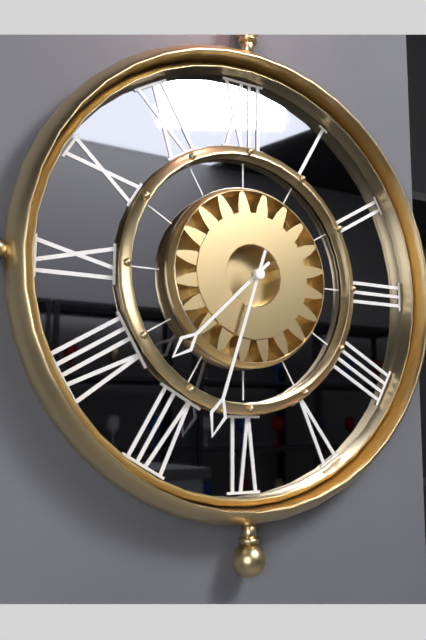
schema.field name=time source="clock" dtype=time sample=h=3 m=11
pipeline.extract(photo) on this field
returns h=7 m=33
